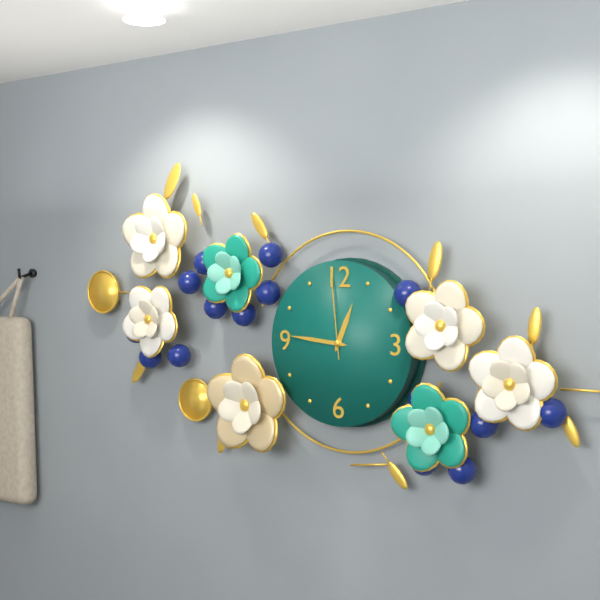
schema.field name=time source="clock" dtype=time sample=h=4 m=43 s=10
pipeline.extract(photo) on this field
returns h=12 m=46 s=59
